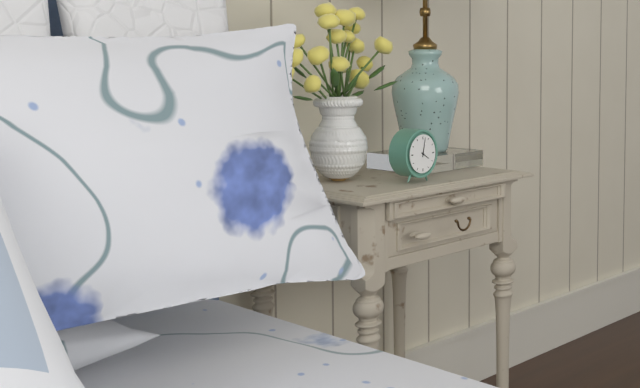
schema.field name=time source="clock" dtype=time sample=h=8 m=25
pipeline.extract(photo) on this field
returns h=4 m=2
